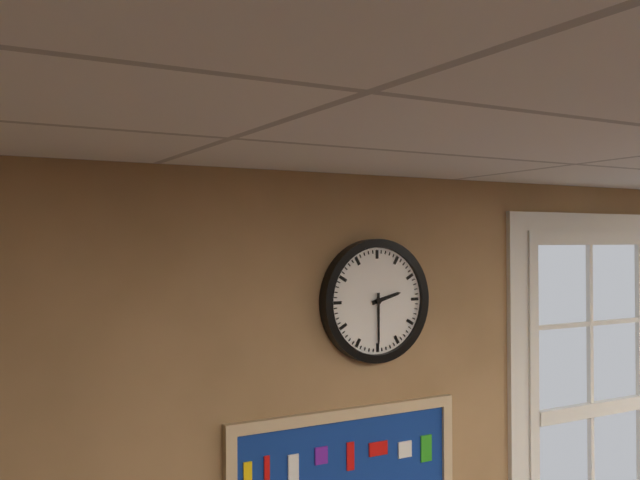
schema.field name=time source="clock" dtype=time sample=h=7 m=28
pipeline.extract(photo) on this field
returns h=2 m=30
